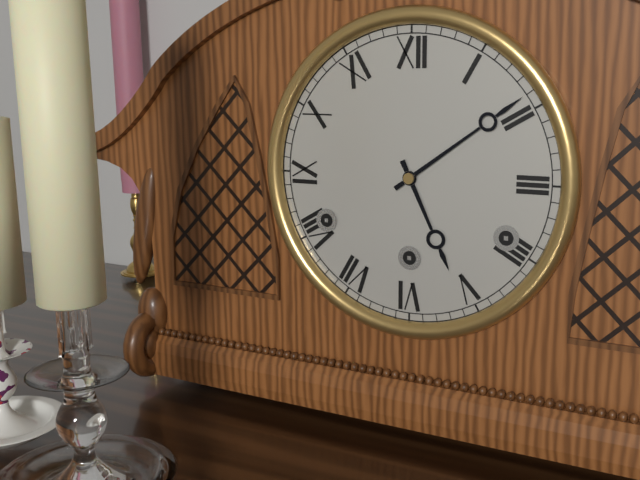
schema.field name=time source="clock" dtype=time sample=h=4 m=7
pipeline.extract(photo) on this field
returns h=5 m=9
